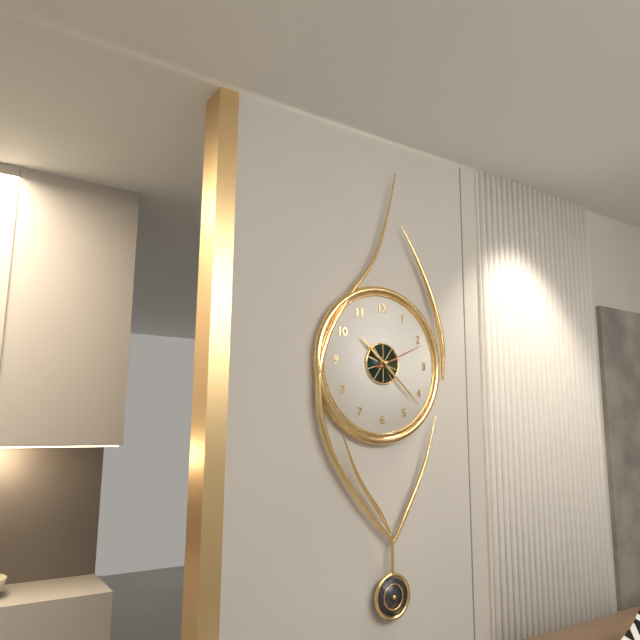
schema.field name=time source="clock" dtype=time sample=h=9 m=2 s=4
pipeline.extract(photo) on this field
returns h=10 m=22 s=11
